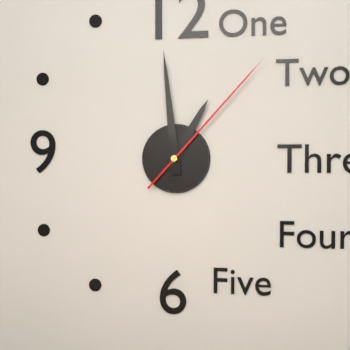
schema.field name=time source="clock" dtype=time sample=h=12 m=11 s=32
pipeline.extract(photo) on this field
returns h=12 m=59 s=7
